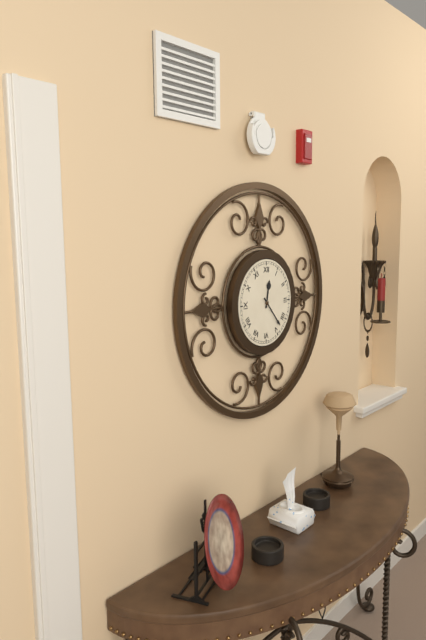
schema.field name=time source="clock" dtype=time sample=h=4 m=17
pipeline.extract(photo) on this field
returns h=12 m=23
